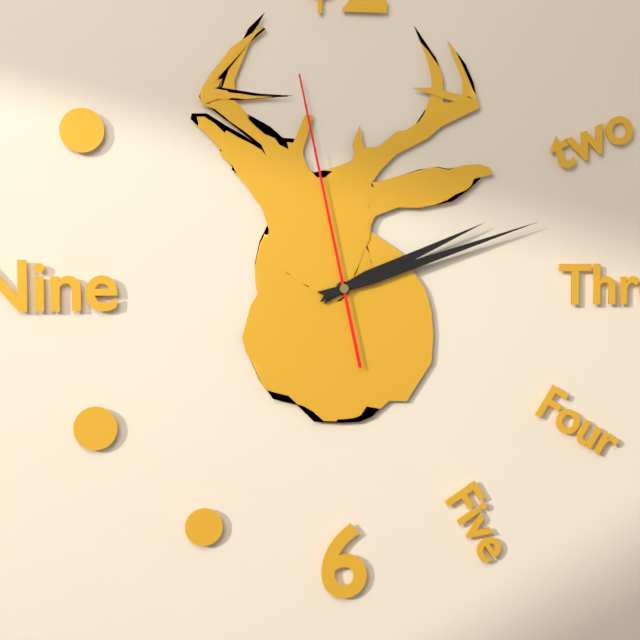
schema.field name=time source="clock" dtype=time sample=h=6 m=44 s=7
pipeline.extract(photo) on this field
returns h=2 m=12 s=58
